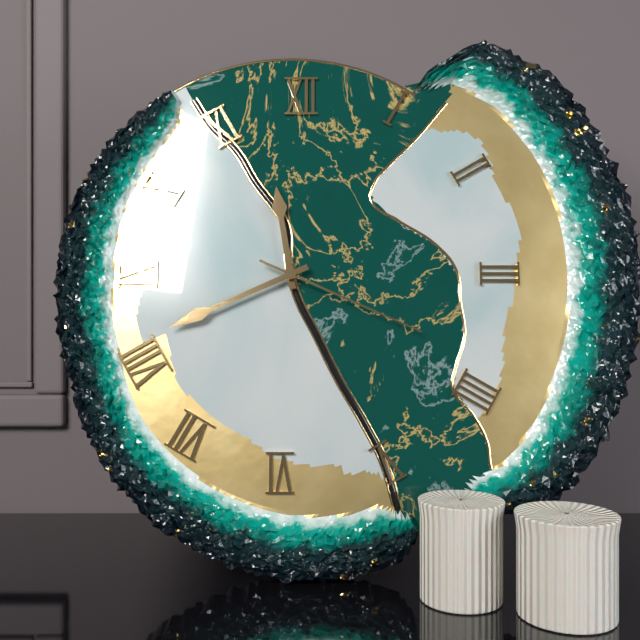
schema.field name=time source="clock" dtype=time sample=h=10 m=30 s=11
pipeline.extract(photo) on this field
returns h=11 m=41 s=19
